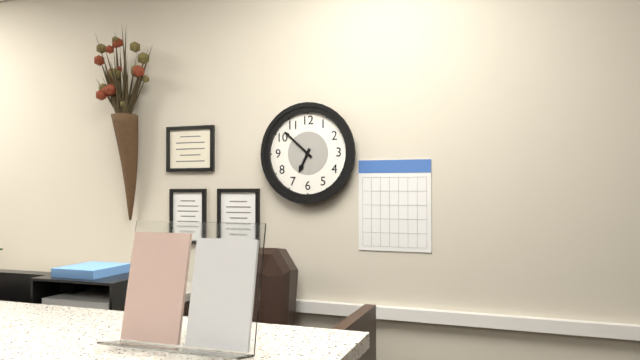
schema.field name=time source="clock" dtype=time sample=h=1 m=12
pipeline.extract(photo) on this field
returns h=6 m=52
